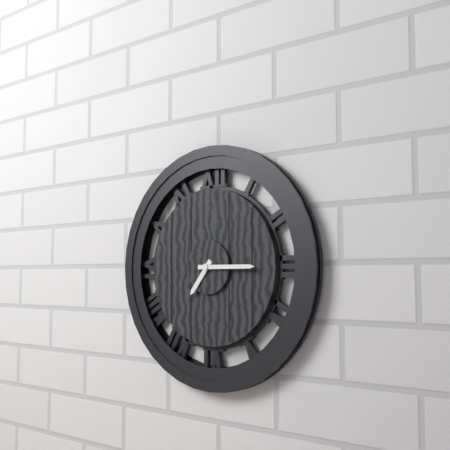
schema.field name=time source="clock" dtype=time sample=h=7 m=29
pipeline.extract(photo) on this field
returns h=7 m=15
